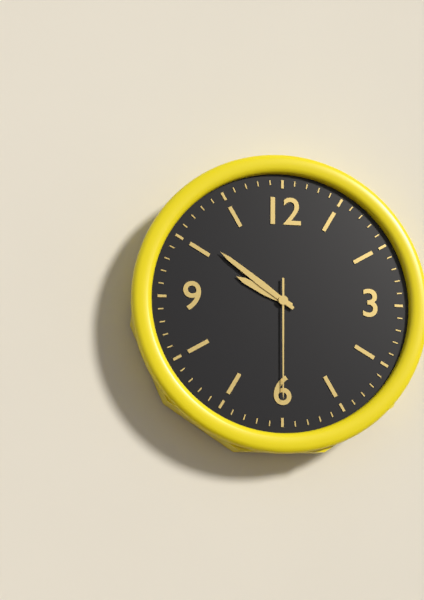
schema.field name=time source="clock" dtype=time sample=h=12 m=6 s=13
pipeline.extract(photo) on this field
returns h=9 m=51 s=30
